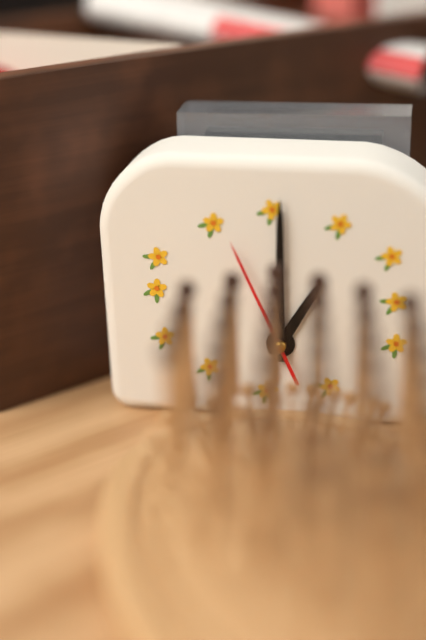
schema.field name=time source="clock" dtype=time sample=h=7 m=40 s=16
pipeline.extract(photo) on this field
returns h=1 m=0 s=56
